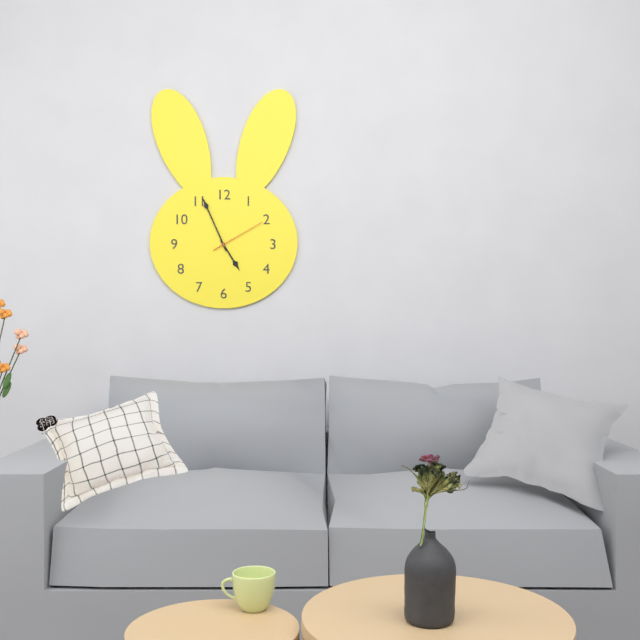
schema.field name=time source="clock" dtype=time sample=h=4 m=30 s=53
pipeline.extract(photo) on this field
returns h=4 m=56 s=10
